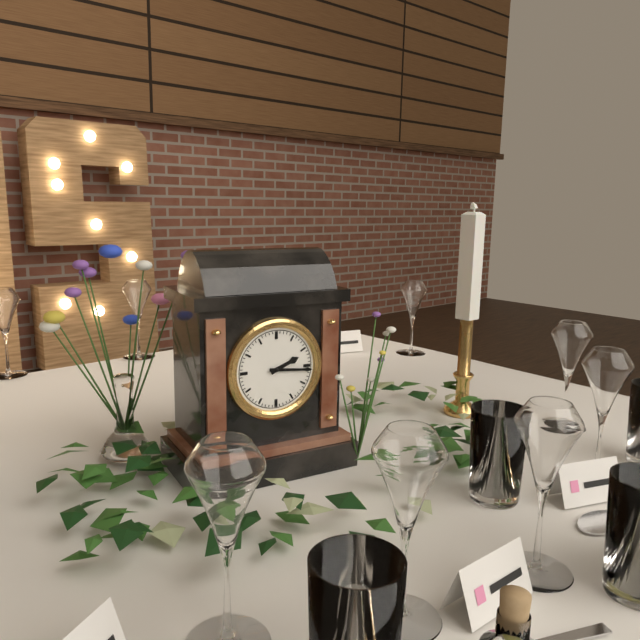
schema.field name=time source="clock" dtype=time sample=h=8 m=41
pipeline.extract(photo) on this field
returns h=2 m=16
